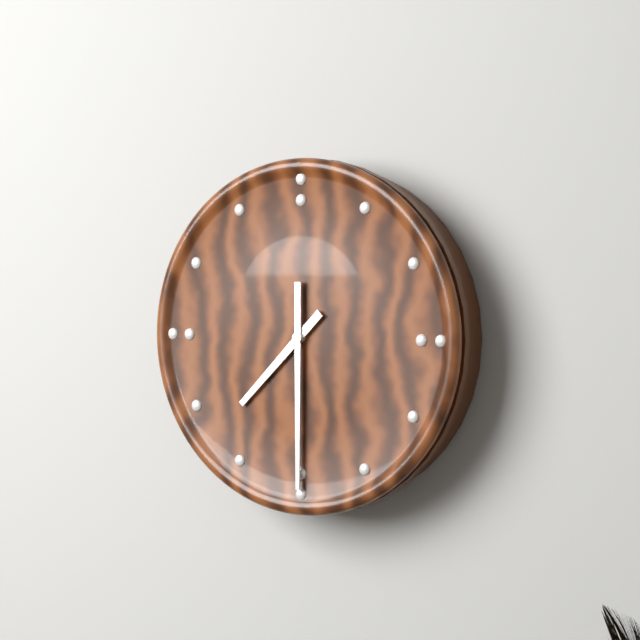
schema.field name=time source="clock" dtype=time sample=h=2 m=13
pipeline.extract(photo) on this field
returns h=7 m=30
